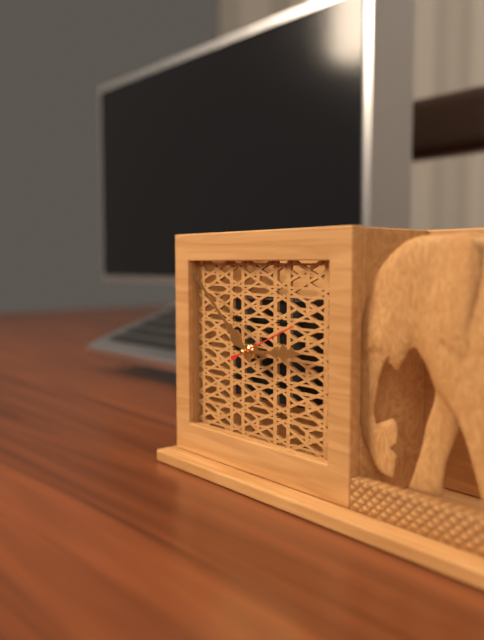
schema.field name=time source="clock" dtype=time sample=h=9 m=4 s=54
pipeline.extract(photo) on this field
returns h=2 m=52 s=11
